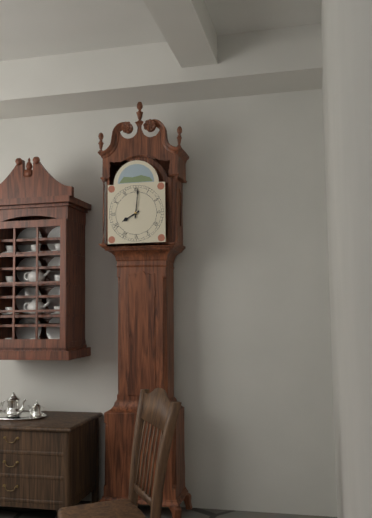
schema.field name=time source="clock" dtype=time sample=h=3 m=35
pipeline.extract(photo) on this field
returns h=8 m=1
